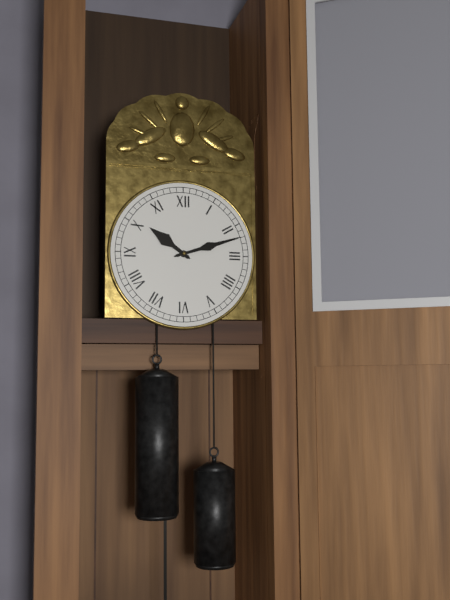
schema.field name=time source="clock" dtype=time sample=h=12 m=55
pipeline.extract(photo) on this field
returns h=10 m=12
